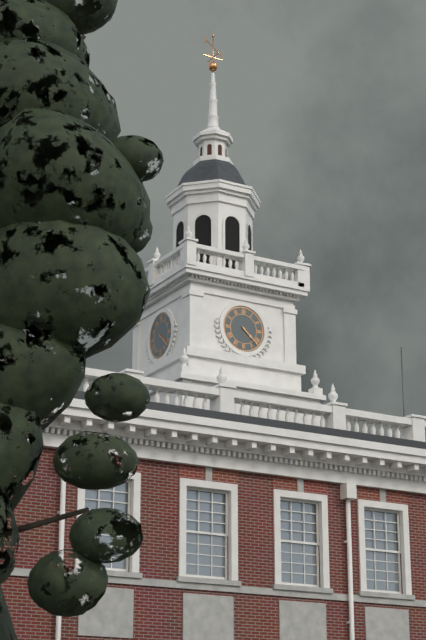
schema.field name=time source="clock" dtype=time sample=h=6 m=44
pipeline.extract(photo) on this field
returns h=4 m=22
